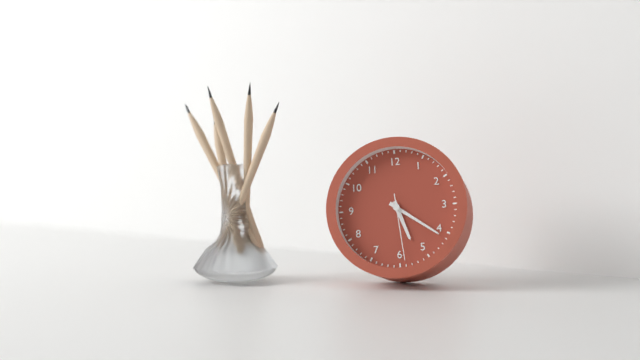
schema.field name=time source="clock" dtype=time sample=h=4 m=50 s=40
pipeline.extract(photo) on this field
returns h=5 m=21 s=29
